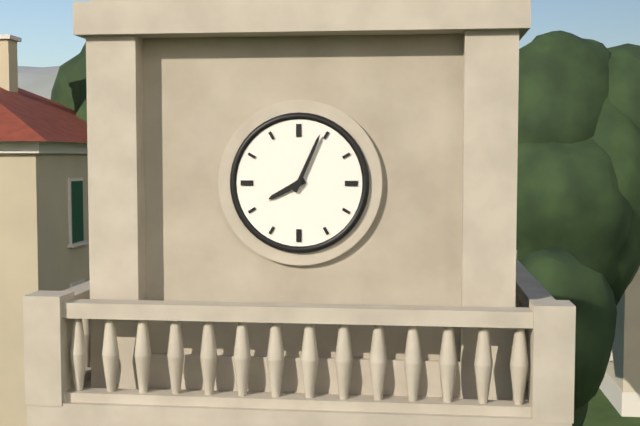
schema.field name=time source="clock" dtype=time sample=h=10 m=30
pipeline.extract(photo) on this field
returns h=8 m=4
